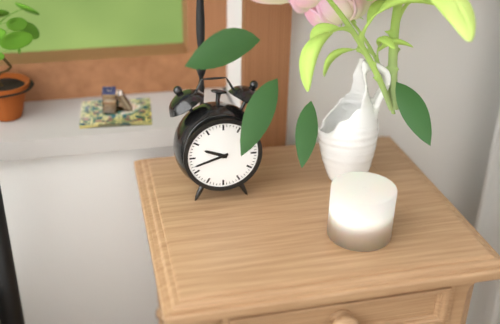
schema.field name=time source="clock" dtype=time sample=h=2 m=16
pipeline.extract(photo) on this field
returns h=9 m=42
